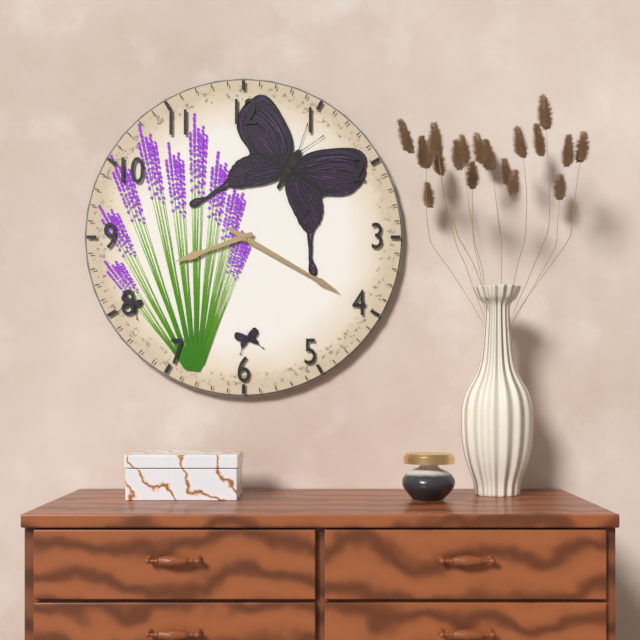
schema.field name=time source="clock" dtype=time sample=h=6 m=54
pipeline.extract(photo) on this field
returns h=8 m=20
